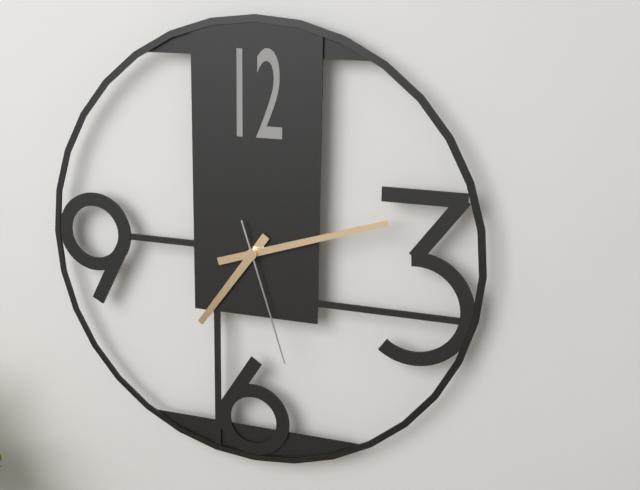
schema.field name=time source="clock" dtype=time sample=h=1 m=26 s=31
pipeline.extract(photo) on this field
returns h=7 m=12 s=27
